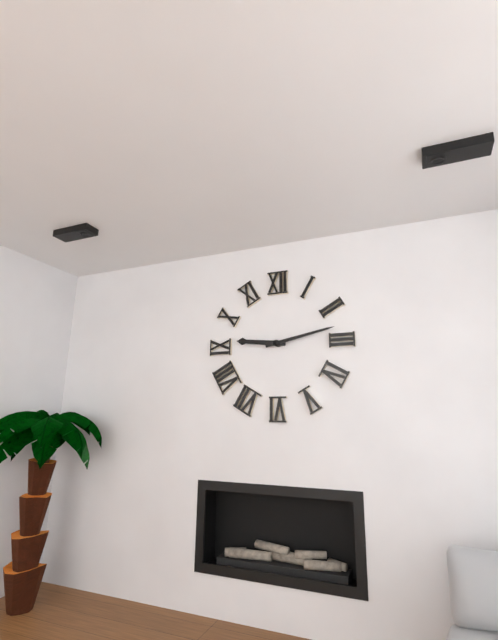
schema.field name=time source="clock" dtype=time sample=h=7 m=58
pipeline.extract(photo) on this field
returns h=9 m=13
